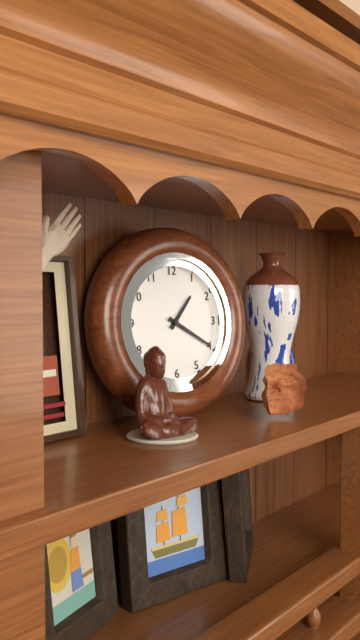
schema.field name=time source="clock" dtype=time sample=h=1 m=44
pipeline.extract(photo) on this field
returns h=1 m=20
